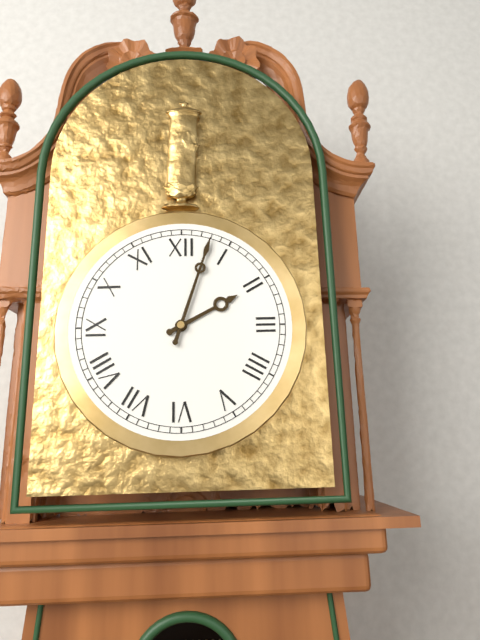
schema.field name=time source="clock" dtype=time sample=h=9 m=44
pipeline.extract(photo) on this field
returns h=2 m=3
